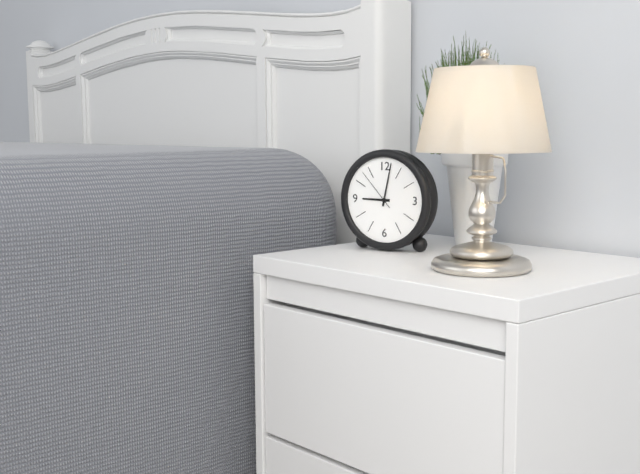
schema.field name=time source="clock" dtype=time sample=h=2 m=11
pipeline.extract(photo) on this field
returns h=9 m=2
